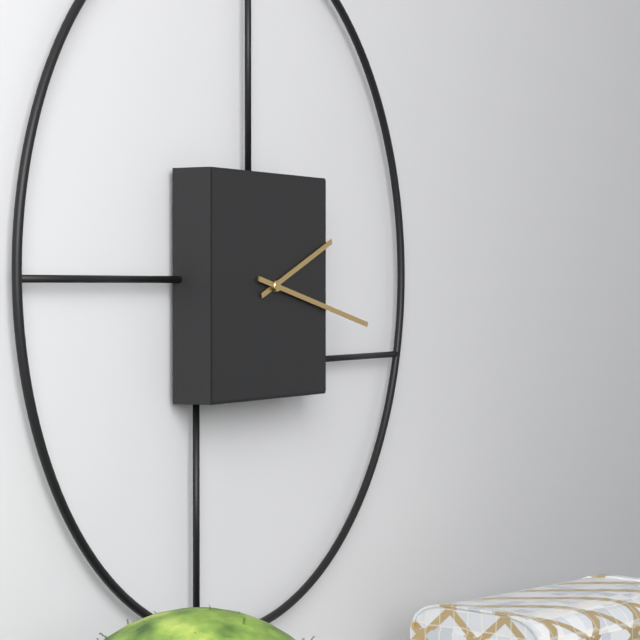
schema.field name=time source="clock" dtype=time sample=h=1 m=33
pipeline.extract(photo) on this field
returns h=2 m=17
